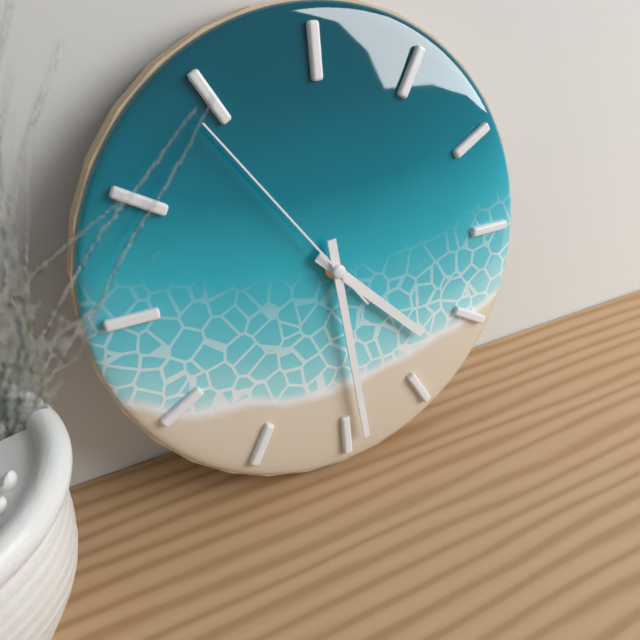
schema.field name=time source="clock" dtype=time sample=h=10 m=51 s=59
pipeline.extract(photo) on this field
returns h=4 m=29 s=54
